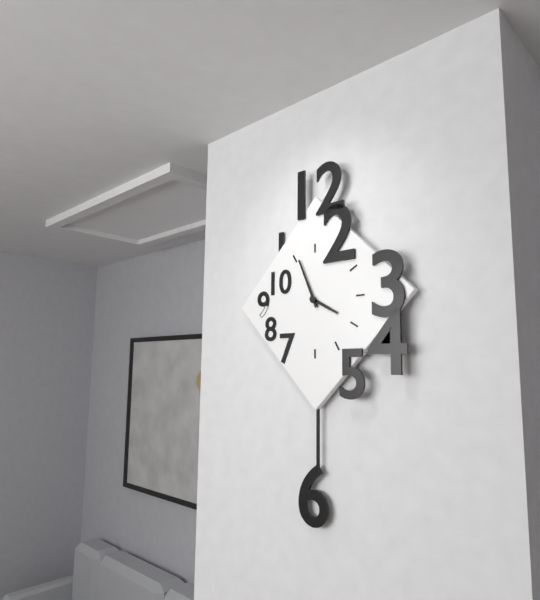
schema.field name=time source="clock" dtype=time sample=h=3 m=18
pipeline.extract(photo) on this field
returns h=3 m=56
